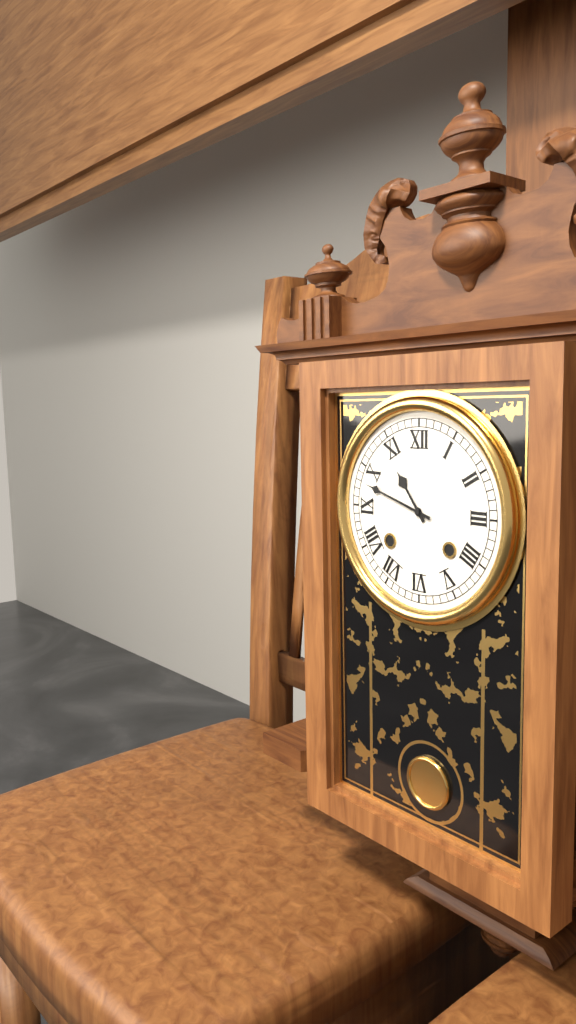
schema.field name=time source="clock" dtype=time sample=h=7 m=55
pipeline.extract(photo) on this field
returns h=10 m=48
